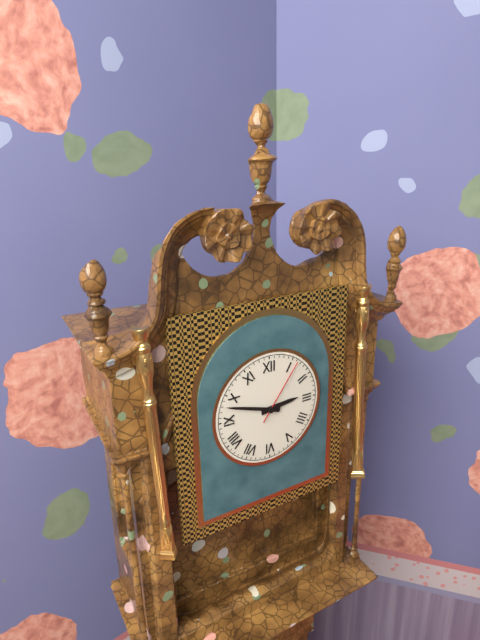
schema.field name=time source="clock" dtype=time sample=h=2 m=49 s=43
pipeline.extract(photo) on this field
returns h=2 m=48 s=6
